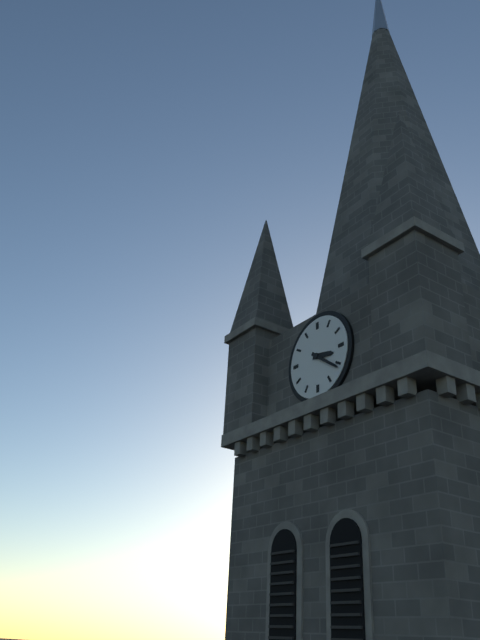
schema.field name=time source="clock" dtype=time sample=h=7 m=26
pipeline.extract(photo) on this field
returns h=3 m=21
